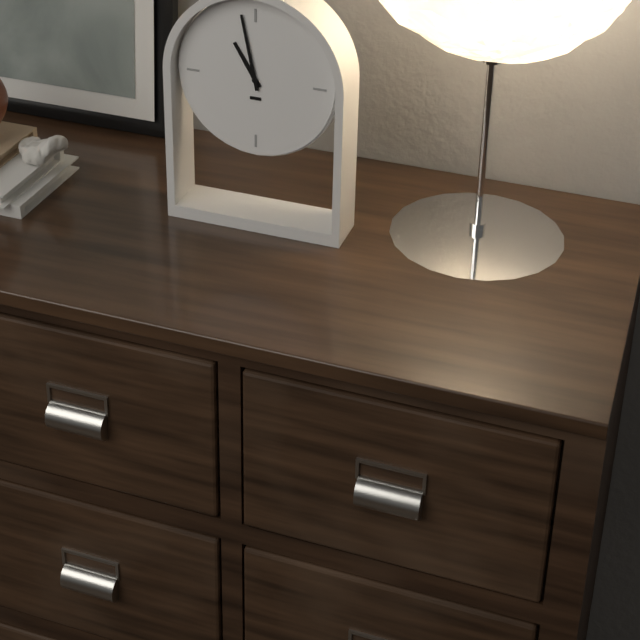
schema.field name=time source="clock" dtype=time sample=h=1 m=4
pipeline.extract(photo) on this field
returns h=10 m=58
